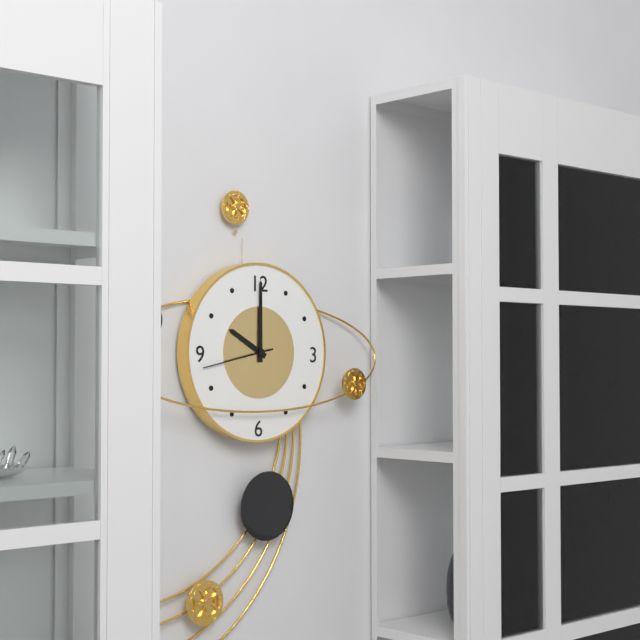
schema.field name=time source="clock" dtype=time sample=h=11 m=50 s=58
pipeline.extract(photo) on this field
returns h=10 m=0 s=43
